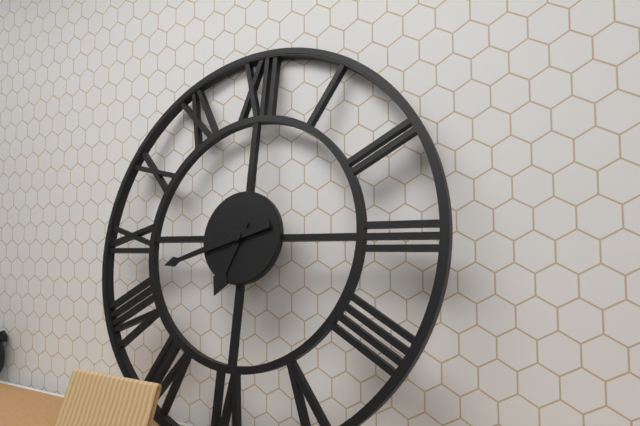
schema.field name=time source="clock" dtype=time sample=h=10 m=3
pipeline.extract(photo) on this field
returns h=6 m=42
